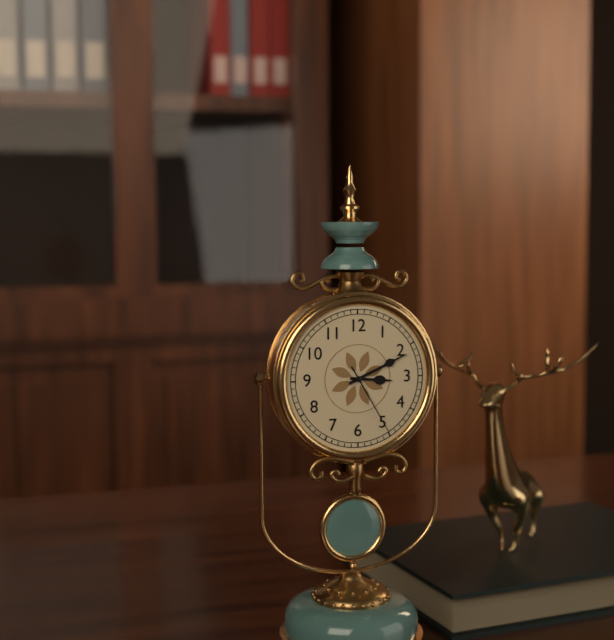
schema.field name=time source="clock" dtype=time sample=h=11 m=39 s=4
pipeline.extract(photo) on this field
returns h=3 m=11 s=25
